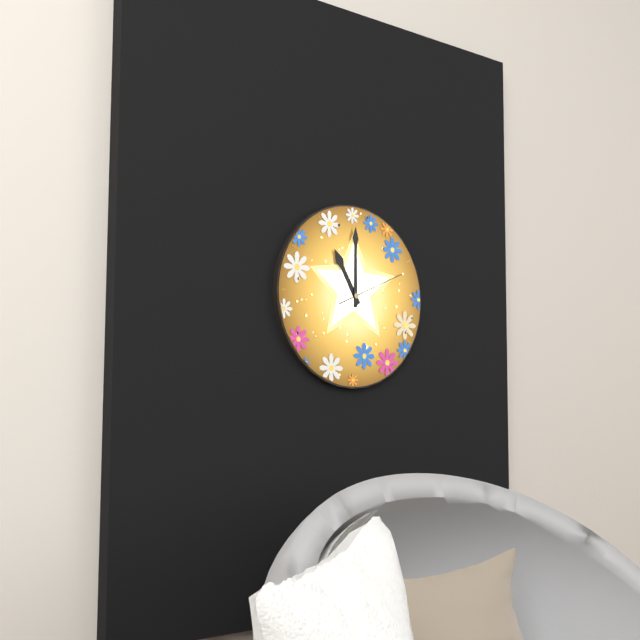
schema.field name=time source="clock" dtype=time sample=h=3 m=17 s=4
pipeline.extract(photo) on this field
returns h=11 m=0 s=11
